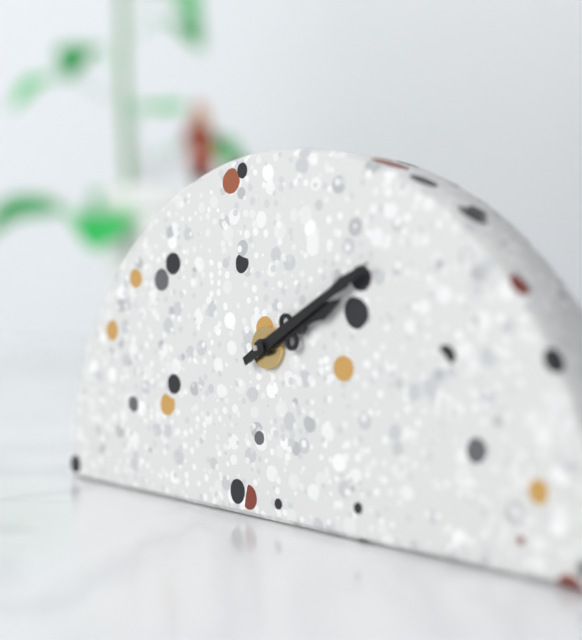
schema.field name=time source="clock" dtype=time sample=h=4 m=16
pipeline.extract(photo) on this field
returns h=2 m=10
